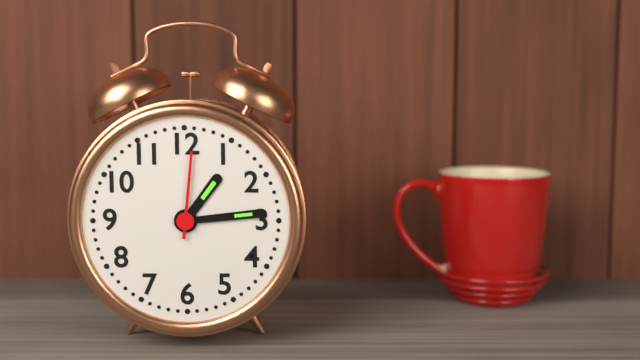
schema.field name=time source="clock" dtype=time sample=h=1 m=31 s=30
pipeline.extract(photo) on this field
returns h=1 m=14 s=1
